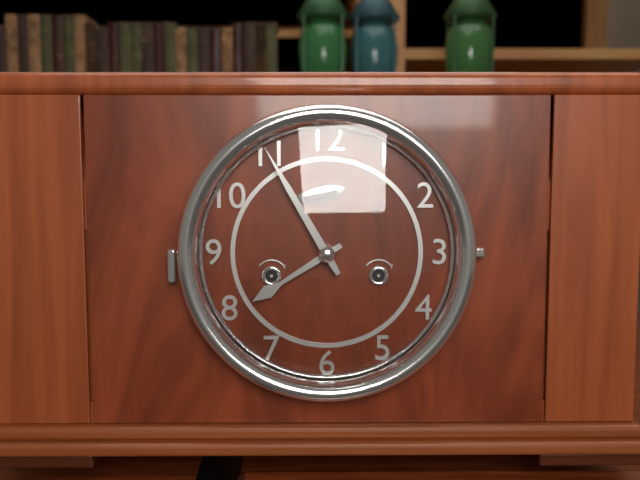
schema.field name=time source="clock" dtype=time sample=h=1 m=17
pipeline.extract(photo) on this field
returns h=7 m=55
